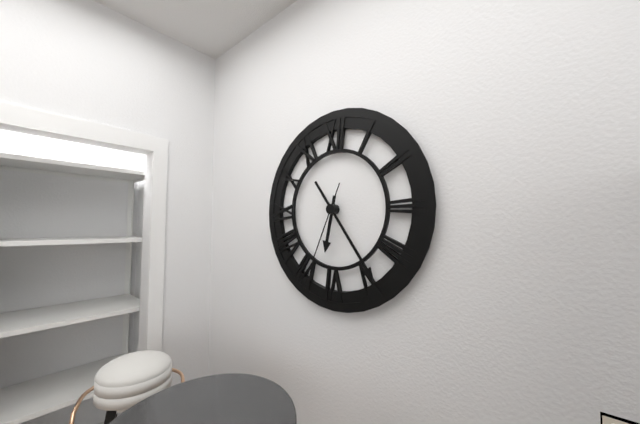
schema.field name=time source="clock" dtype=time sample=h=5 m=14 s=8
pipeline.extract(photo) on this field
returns h=6 m=24 s=34
